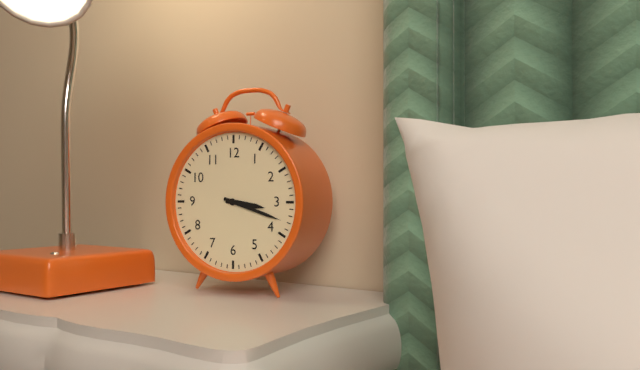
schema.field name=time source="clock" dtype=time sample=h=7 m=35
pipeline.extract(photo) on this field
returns h=3 m=18
